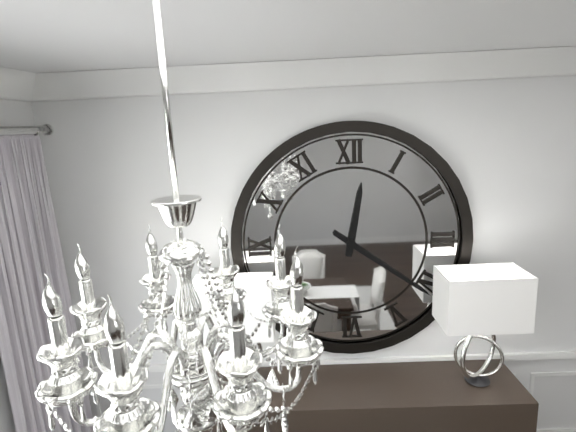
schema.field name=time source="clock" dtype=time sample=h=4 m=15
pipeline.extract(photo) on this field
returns h=12 m=21
